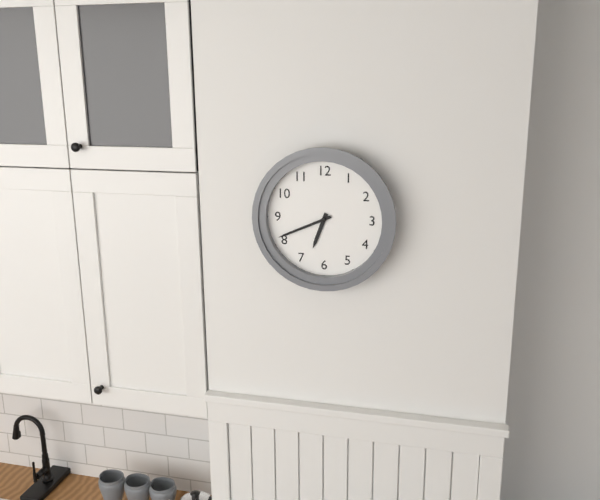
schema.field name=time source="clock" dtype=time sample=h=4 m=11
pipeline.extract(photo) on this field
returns h=6 m=41
